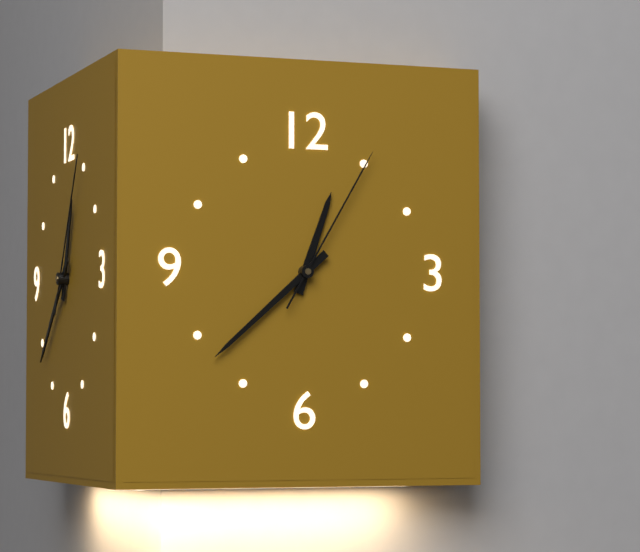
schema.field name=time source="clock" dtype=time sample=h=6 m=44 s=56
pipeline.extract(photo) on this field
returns h=12 m=38 s=5
